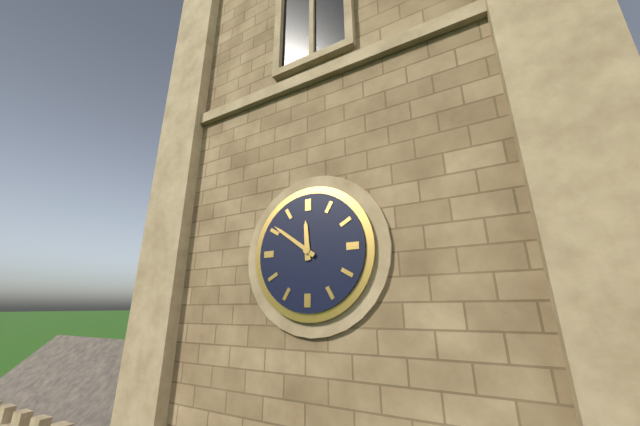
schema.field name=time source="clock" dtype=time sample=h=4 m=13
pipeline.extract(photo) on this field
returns h=11 m=51
